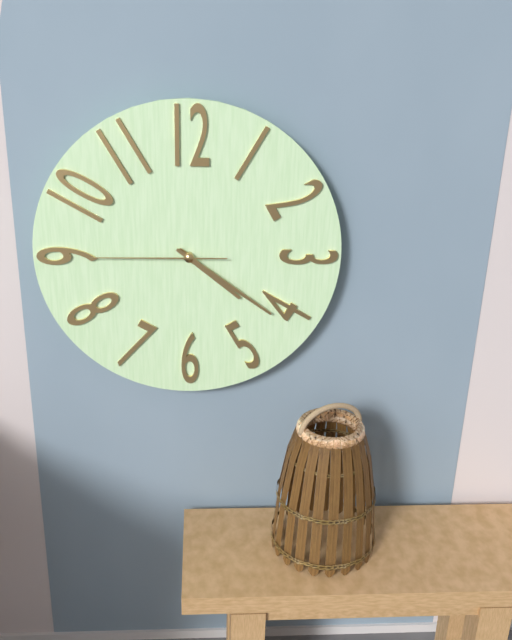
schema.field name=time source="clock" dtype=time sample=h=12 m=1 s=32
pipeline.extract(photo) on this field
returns h=4 m=21 s=45
